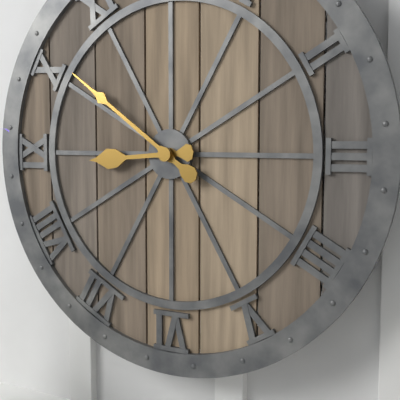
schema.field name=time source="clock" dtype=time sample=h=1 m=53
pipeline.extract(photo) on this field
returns h=8 m=51
